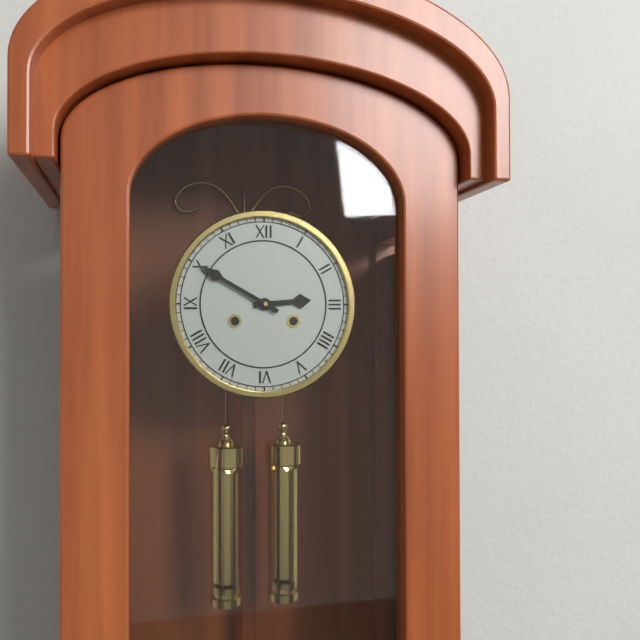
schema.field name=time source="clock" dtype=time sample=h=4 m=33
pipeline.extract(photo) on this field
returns h=2 m=50
